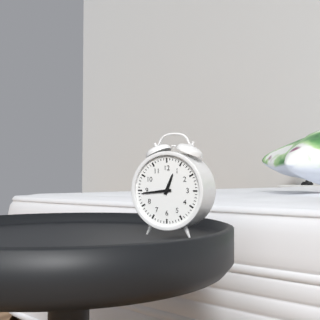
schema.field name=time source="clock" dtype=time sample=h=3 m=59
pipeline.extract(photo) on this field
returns h=12 m=44
